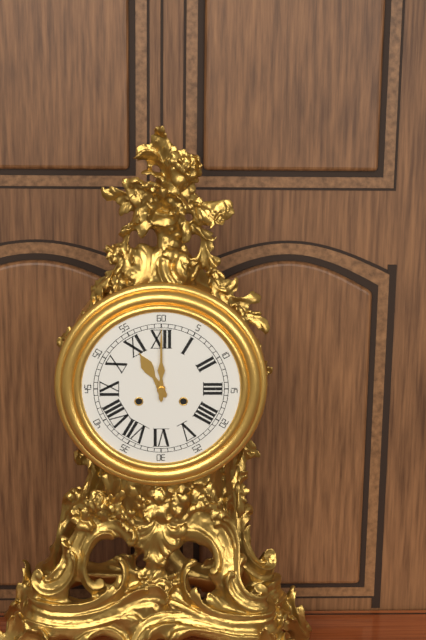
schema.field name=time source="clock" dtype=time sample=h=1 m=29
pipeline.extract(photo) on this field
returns h=11 m=0
